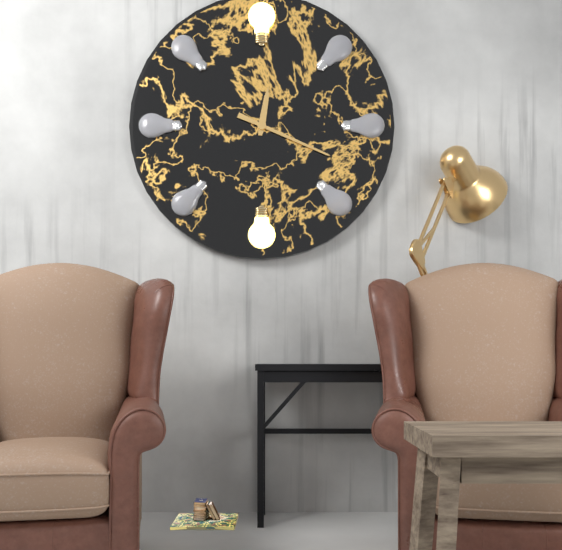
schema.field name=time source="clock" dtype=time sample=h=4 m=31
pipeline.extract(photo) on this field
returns h=12 m=19
